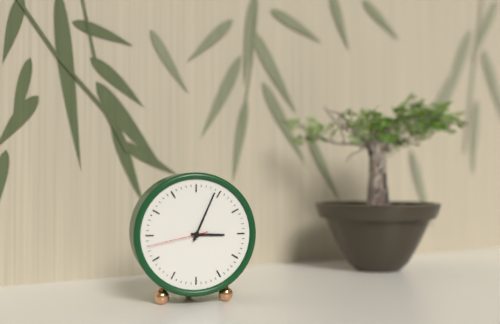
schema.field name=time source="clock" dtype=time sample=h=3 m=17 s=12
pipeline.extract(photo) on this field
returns h=3 m=4 s=43
